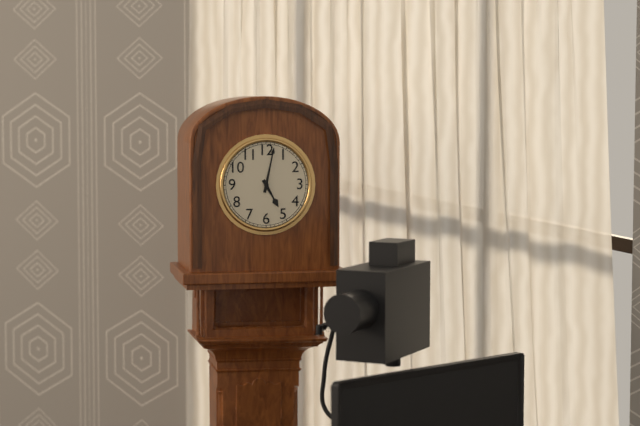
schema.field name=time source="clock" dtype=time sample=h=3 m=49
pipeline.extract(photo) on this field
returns h=5 m=2
